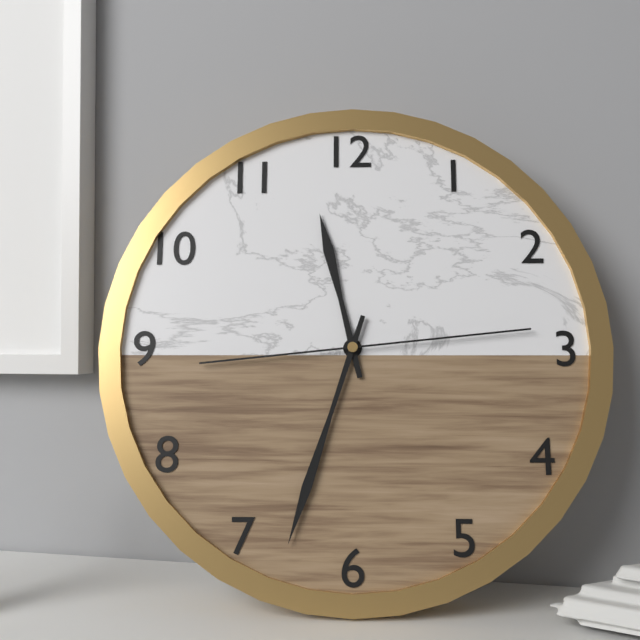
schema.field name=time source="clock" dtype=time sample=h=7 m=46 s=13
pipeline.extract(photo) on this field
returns h=11 m=33 s=14
